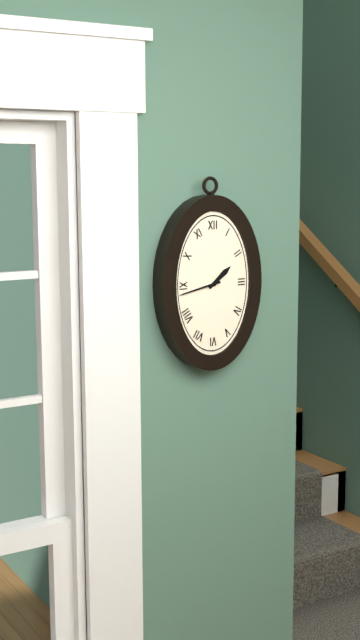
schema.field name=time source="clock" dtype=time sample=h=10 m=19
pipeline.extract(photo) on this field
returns h=1 m=43
